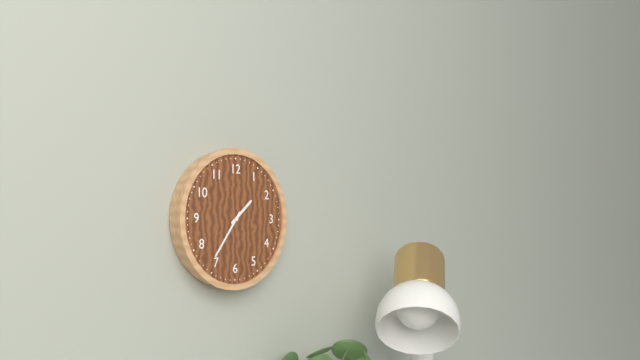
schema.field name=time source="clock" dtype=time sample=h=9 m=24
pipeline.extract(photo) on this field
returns h=1 m=36
